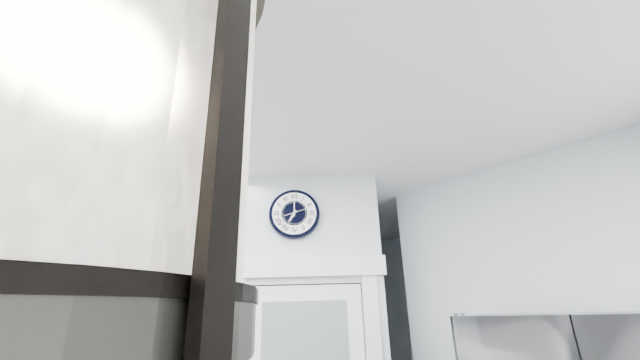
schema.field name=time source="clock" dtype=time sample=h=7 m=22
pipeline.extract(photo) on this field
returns h=7 m=0
